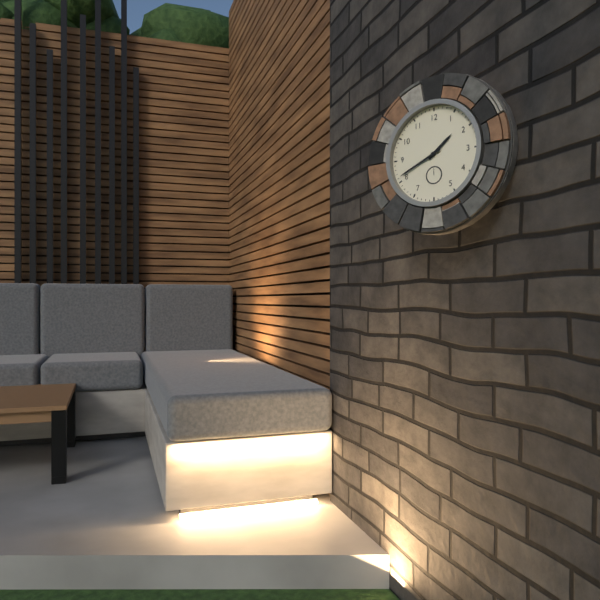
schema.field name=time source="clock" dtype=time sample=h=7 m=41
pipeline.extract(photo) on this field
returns h=1 m=41
